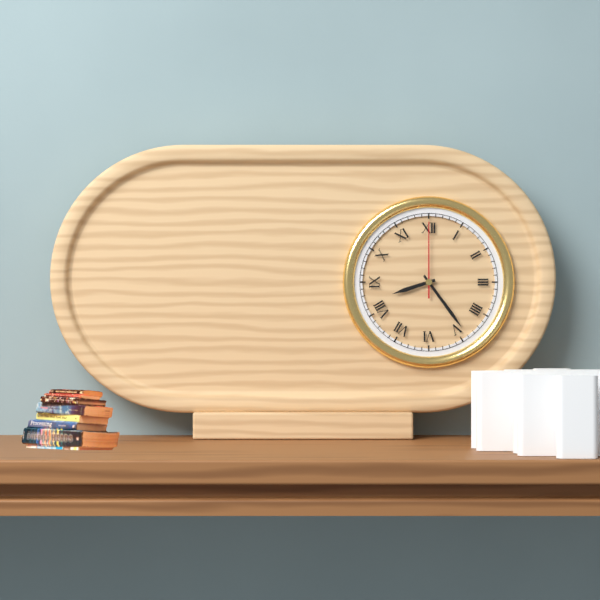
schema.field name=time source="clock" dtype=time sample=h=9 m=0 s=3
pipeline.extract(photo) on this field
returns h=8 m=24 s=0
